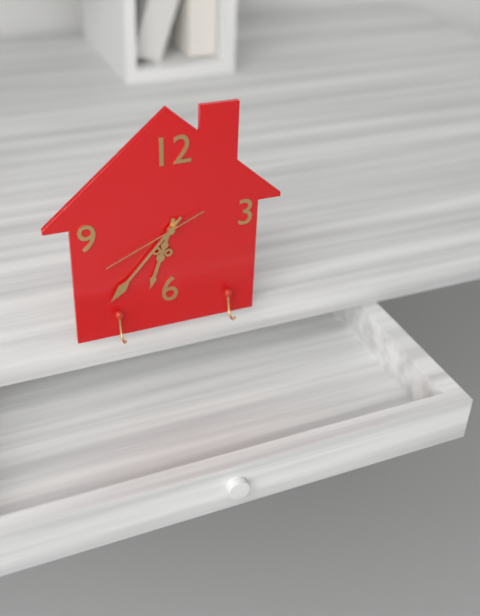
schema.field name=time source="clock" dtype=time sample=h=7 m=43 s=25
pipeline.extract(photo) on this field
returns h=6 m=37 s=41
